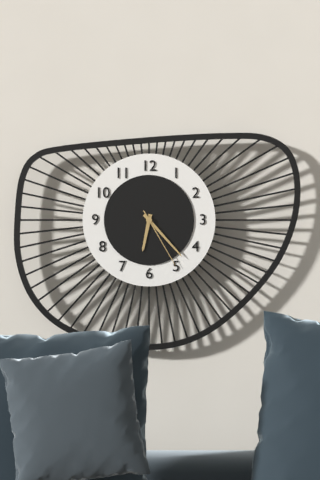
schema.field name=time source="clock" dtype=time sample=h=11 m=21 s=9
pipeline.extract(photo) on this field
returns h=6 m=23 s=25
